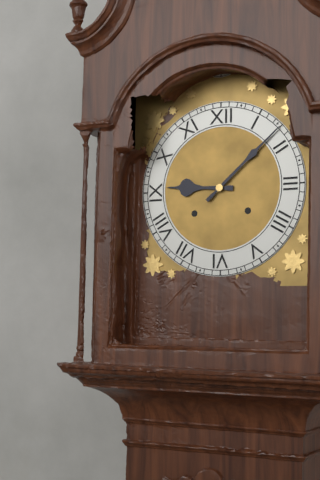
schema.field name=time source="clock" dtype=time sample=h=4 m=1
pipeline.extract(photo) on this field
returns h=9 m=8
